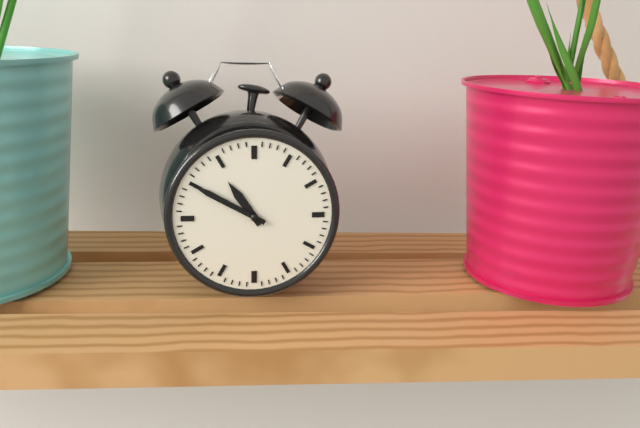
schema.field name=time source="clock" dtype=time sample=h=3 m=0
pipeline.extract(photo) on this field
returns h=10 m=50
